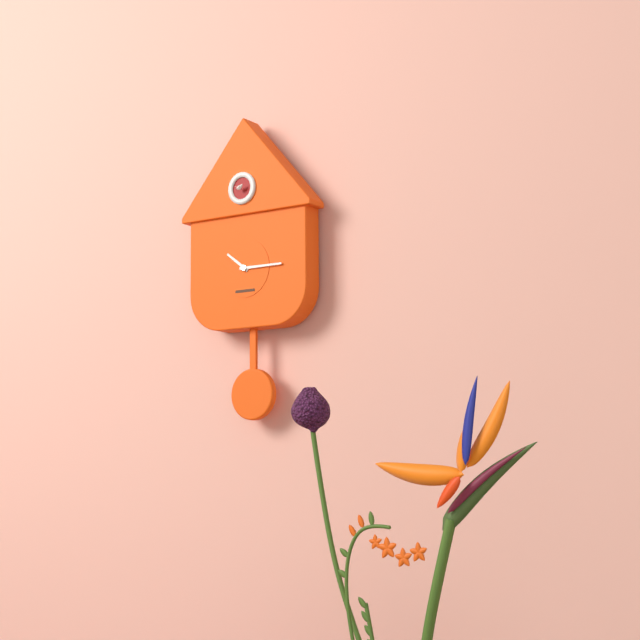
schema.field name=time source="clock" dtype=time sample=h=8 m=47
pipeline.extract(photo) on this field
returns h=10 m=15
